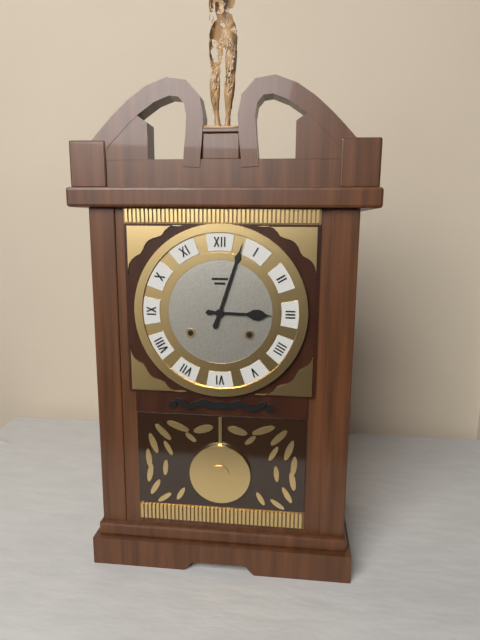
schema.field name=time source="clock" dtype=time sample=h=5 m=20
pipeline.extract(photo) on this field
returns h=3 m=3
